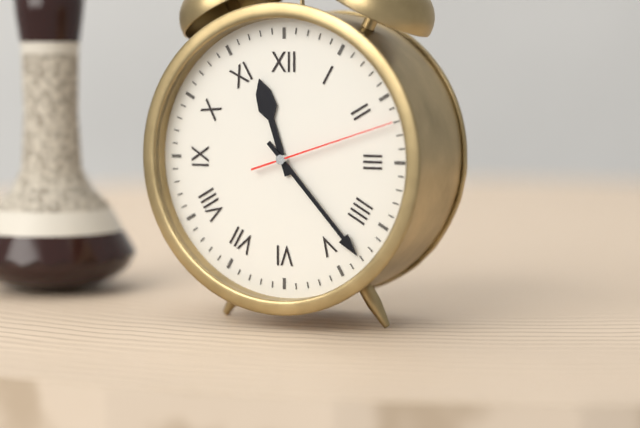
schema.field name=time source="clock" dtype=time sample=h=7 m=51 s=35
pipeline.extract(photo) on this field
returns h=11 m=23 s=12
